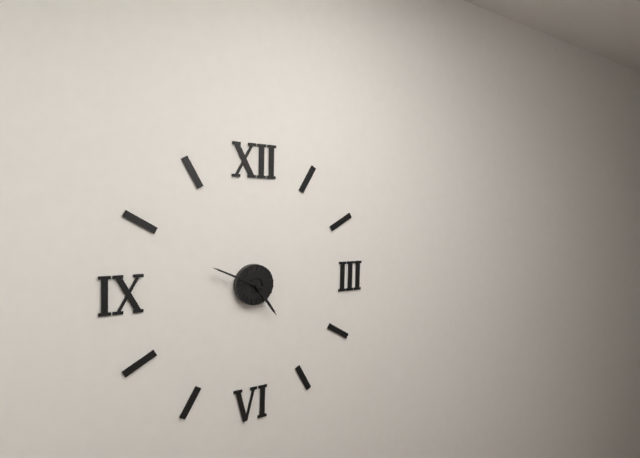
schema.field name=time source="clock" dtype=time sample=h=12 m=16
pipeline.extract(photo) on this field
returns h=4 m=49
